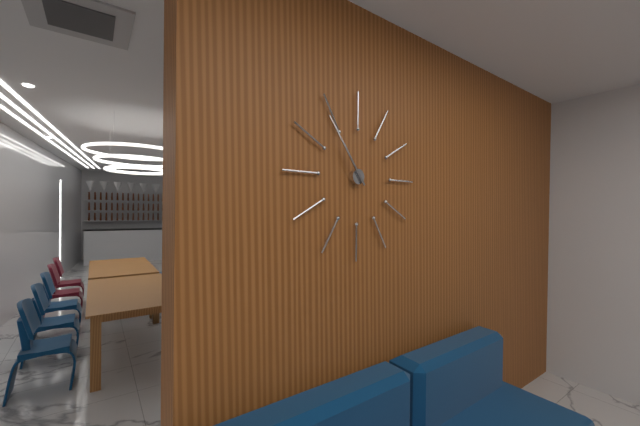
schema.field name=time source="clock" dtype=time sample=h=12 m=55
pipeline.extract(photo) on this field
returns h=10 m=54
